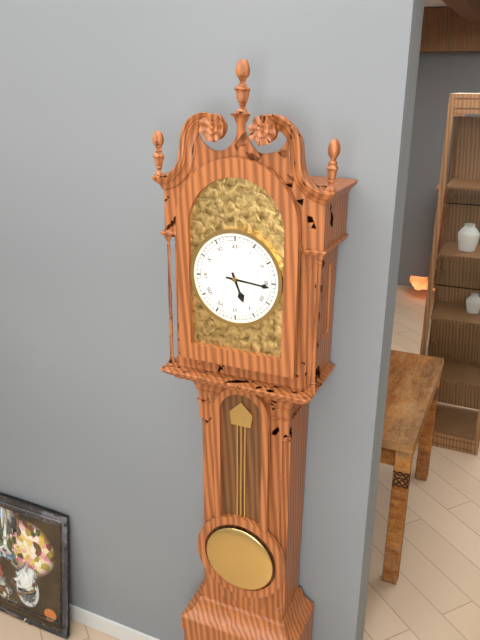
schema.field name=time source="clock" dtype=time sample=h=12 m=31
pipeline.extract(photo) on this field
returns h=5 m=16
